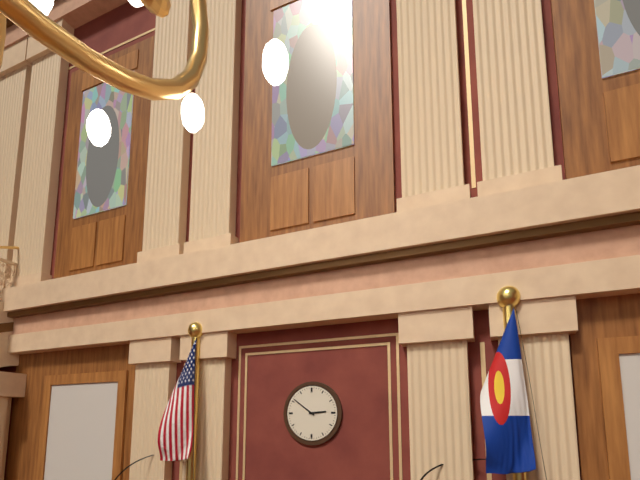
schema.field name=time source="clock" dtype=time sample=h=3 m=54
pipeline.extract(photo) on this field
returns h=2 m=51
